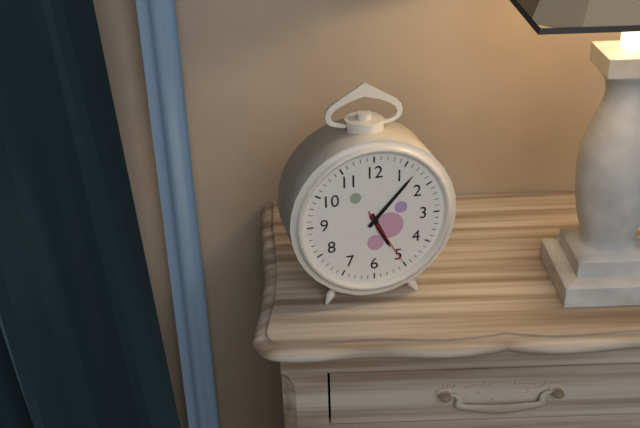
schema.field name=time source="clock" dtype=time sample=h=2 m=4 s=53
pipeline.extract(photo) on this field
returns h=5 m=7 s=25
